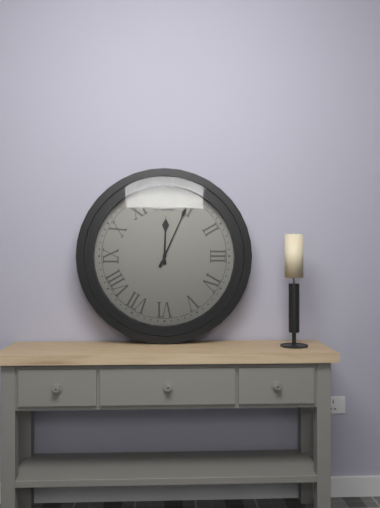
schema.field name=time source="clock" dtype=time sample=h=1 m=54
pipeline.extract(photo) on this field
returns h=12 m=4
